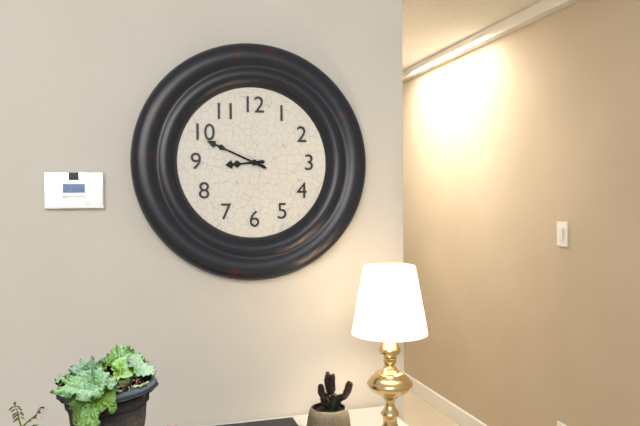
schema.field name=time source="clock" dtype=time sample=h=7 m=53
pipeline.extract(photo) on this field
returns h=8 m=49
